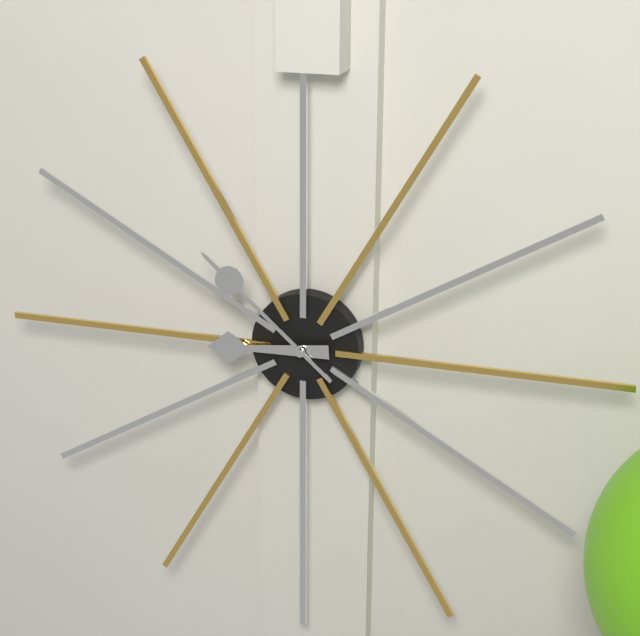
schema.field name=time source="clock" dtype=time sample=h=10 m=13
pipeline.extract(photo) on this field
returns h=8 m=52
